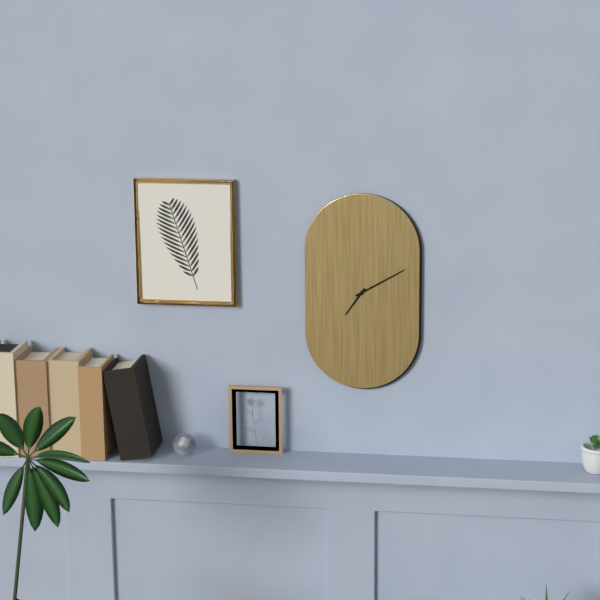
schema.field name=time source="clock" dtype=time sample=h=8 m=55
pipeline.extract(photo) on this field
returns h=7 m=10
